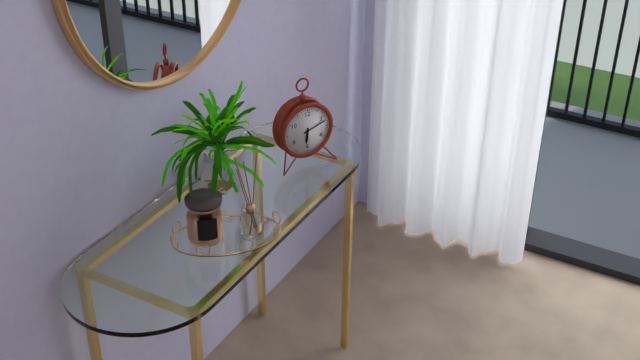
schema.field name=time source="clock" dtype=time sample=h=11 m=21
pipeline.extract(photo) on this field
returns h=6 m=12
